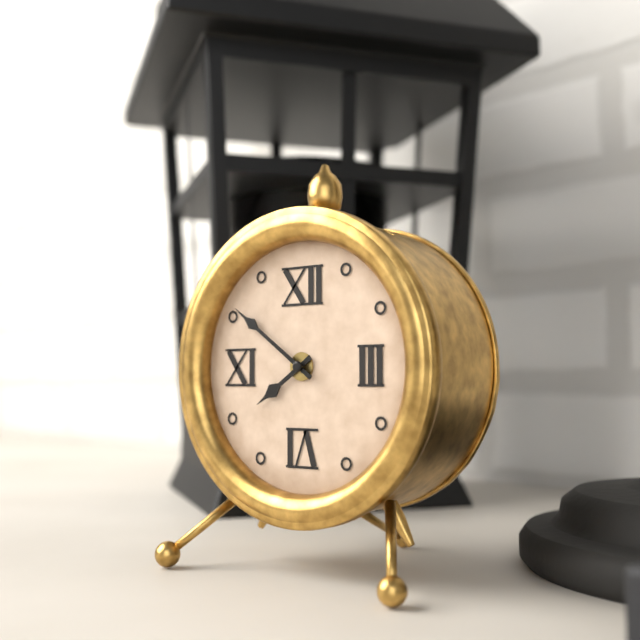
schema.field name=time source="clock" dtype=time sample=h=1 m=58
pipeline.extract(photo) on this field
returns h=7 m=51
